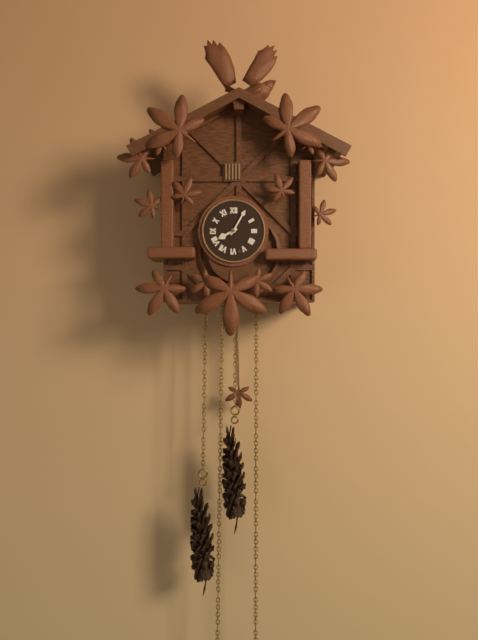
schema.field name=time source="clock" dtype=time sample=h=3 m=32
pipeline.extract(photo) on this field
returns h=8 m=5
